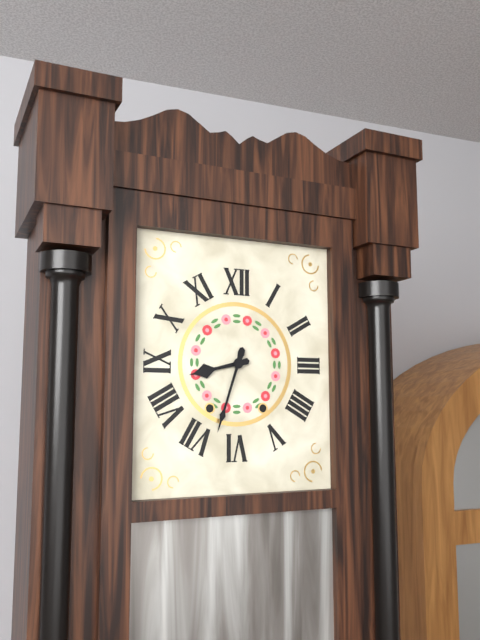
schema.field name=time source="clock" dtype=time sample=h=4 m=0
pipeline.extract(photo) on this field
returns h=8 m=33
